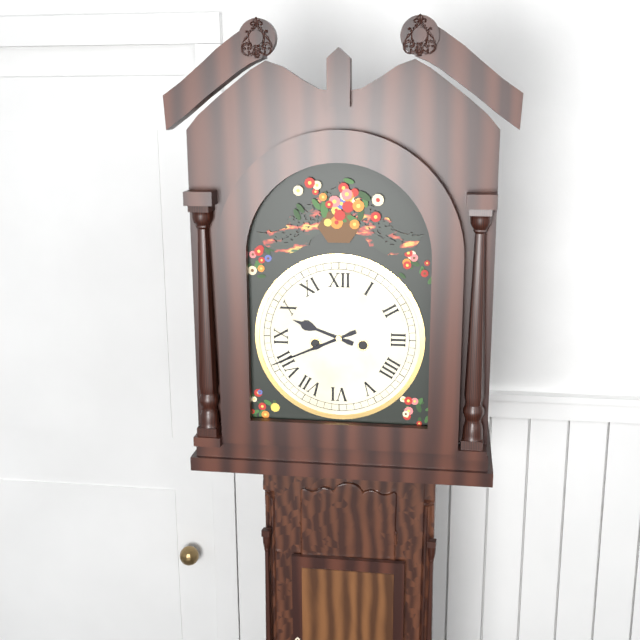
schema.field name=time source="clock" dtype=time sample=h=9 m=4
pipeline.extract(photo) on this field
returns h=9 m=41
